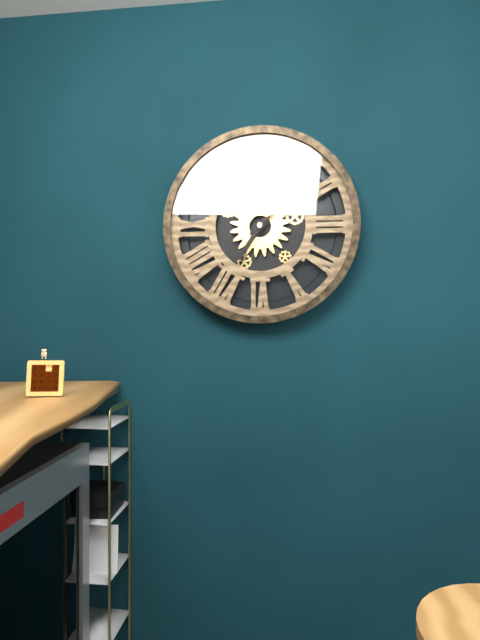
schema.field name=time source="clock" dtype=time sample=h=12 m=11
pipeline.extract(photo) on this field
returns h=7 m=8
